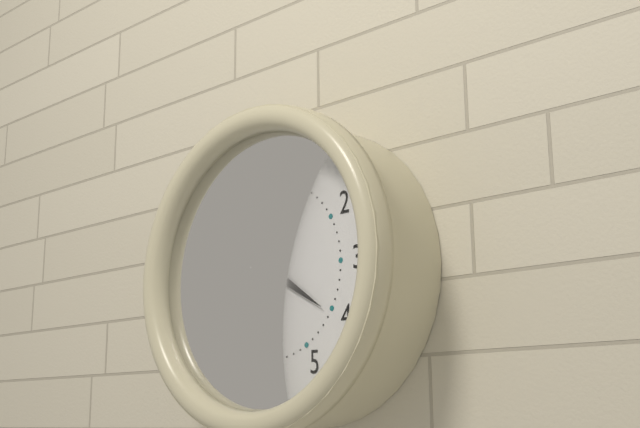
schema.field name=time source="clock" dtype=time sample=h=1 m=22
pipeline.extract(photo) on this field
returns h=4 m=5
